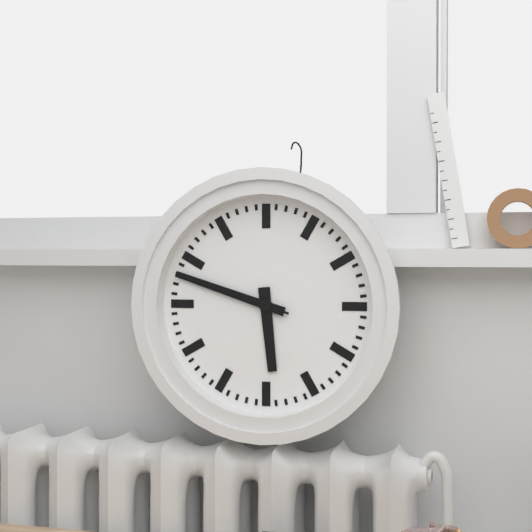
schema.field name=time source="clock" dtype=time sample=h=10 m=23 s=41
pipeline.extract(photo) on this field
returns h=5 m=48 s=48
